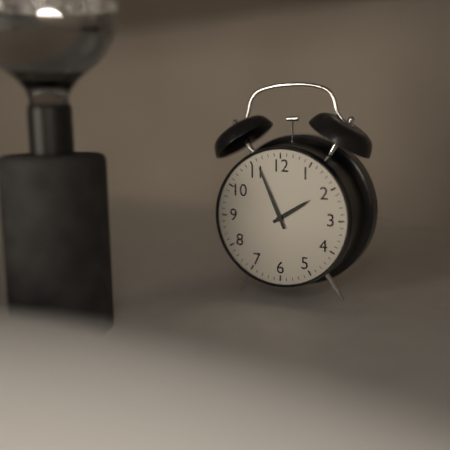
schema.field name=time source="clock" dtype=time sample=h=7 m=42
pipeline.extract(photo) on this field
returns h=1 m=56
